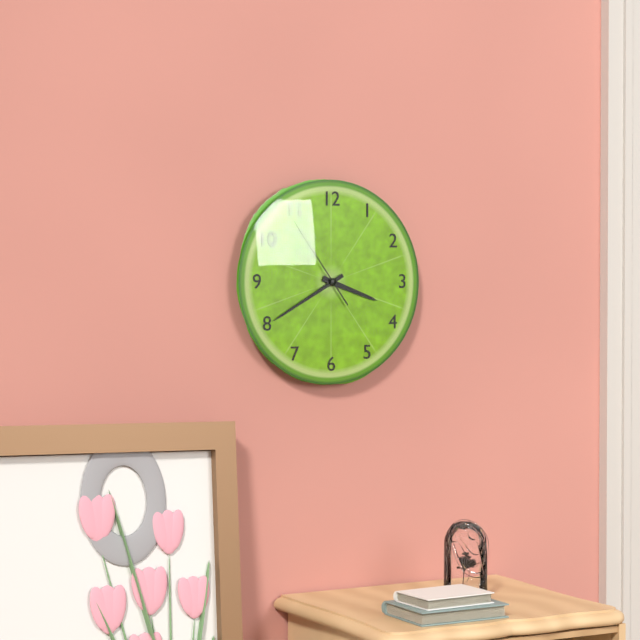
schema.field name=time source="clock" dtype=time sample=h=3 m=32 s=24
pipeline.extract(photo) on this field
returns h=3 m=40 s=54
